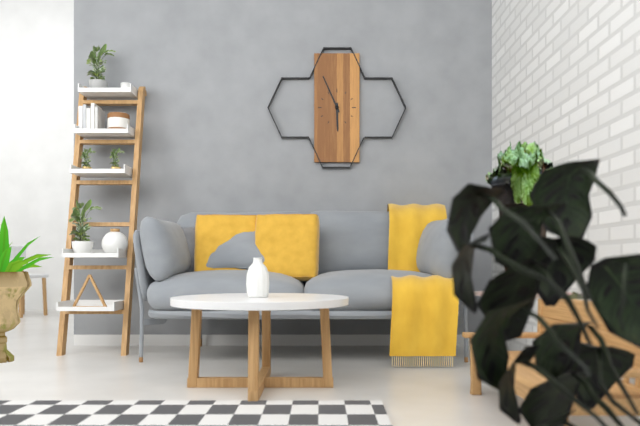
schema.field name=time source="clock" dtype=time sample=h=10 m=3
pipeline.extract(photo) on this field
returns h=5 m=56
